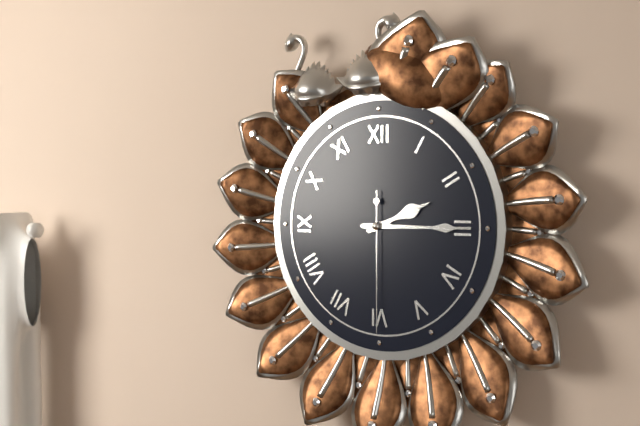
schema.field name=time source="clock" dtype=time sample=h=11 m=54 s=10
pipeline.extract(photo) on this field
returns h=2 m=15 s=30
